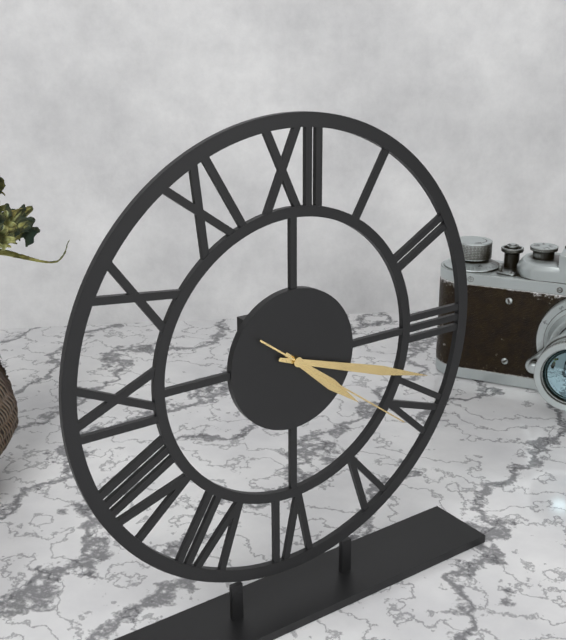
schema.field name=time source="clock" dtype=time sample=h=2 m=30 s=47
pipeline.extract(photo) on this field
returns h=4 m=18 s=21
